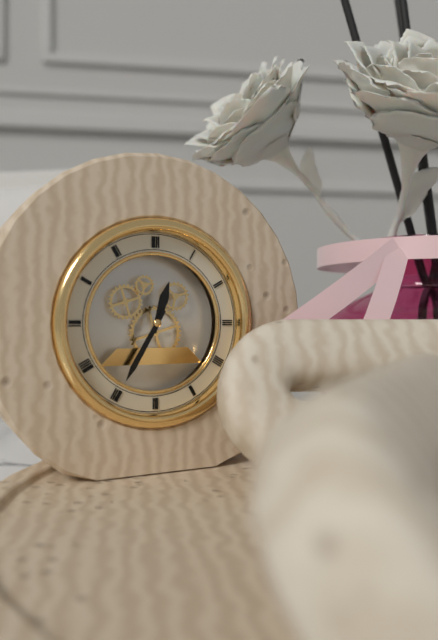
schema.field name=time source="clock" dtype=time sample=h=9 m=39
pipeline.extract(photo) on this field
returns h=12 m=35
